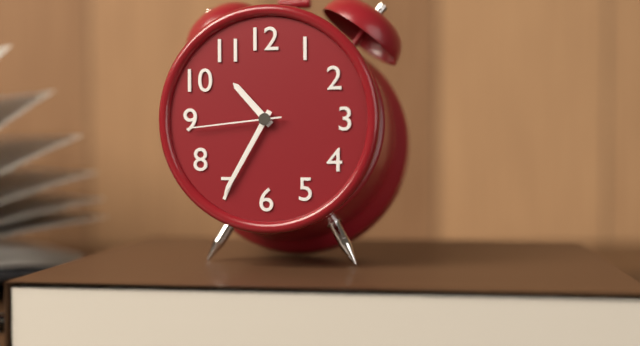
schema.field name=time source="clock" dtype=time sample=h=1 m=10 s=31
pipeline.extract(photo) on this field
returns h=10 m=35 s=44
